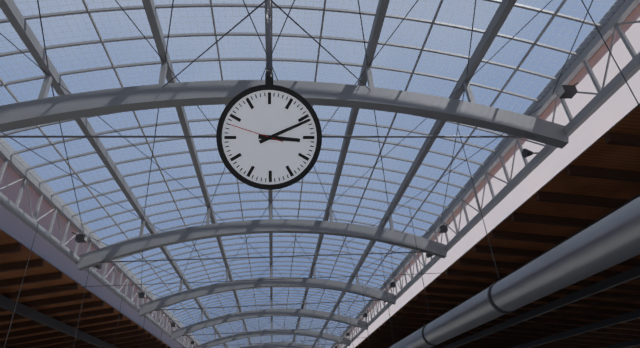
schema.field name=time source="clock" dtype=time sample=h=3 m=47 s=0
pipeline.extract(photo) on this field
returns h=3 m=11 s=48
